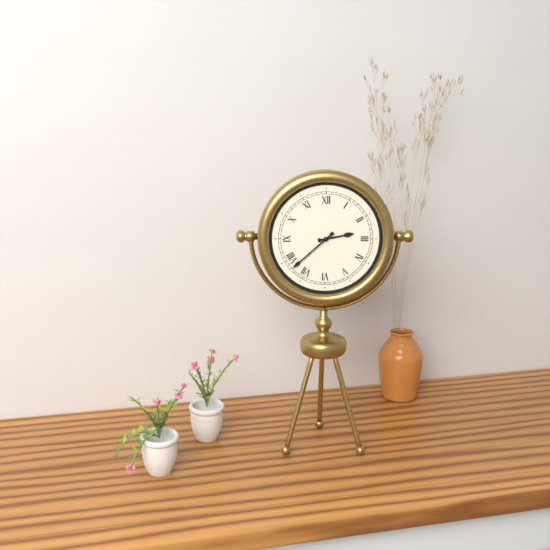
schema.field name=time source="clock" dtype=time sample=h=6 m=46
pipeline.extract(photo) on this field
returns h=2 m=38
